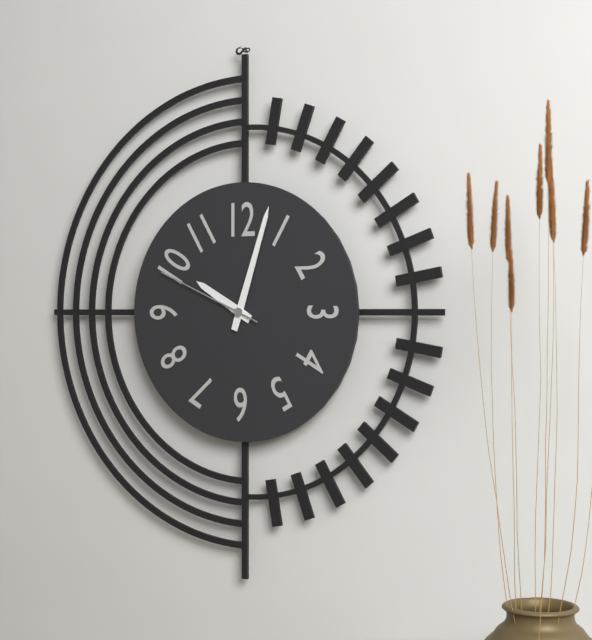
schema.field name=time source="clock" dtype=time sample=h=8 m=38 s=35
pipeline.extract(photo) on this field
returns h=10 m=3 s=49
